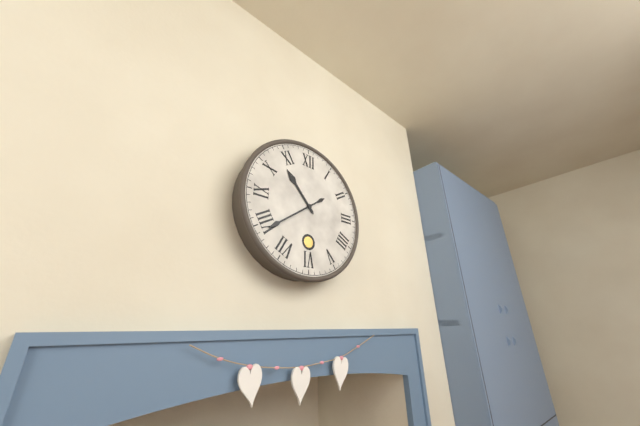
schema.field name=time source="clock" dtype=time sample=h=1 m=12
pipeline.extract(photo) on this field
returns h=10 m=39
